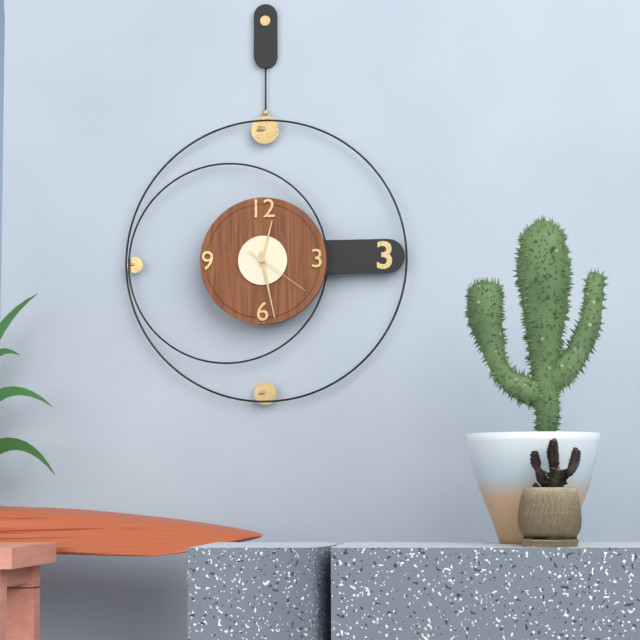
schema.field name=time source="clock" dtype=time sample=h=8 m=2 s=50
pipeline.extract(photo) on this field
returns h=12 m=28 s=21
